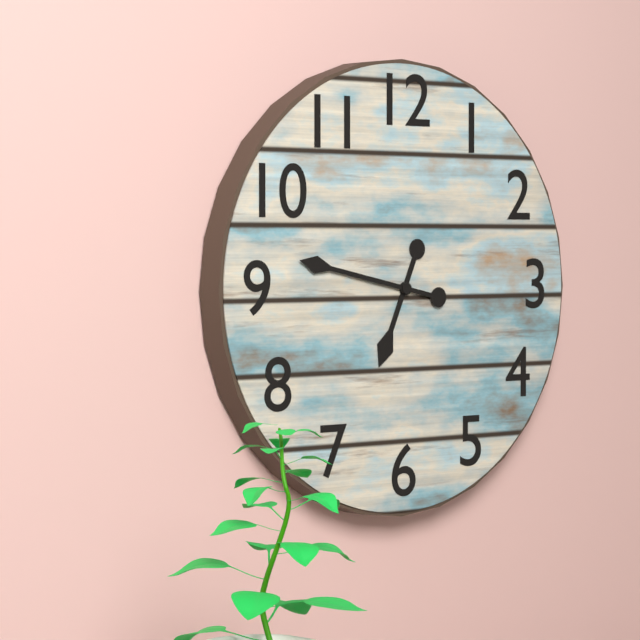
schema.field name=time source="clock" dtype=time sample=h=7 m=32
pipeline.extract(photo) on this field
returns h=6 m=47
